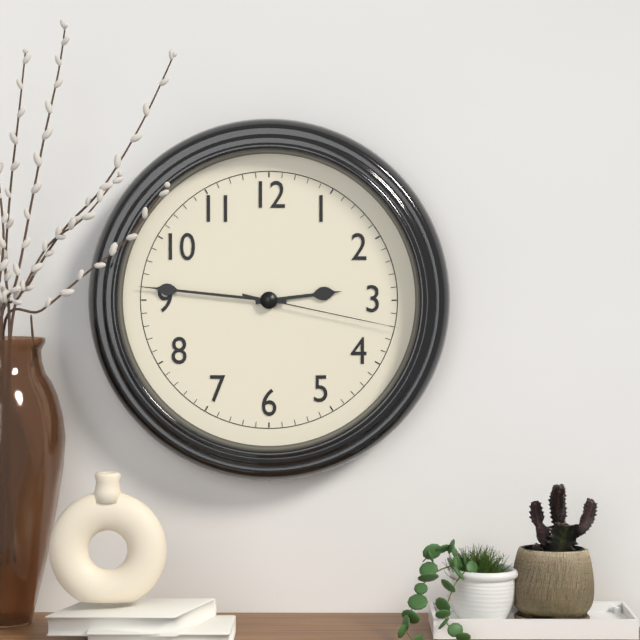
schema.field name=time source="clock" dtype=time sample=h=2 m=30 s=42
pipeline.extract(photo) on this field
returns h=2 m=46 s=17
